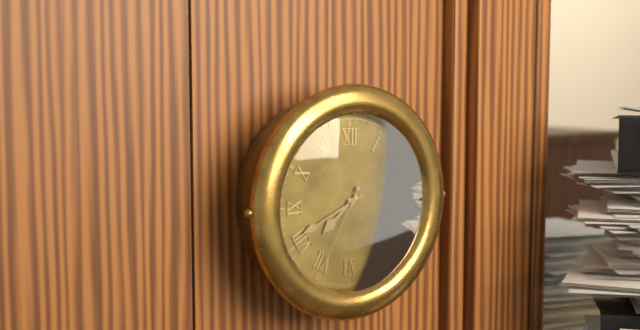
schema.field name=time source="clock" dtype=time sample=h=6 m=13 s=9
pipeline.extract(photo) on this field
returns h=7 m=41 s=35
